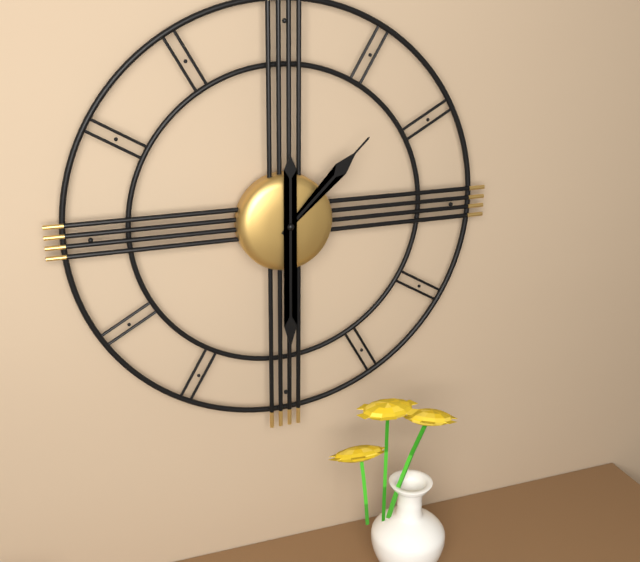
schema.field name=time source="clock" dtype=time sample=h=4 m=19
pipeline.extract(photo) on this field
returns h=1 m=30
